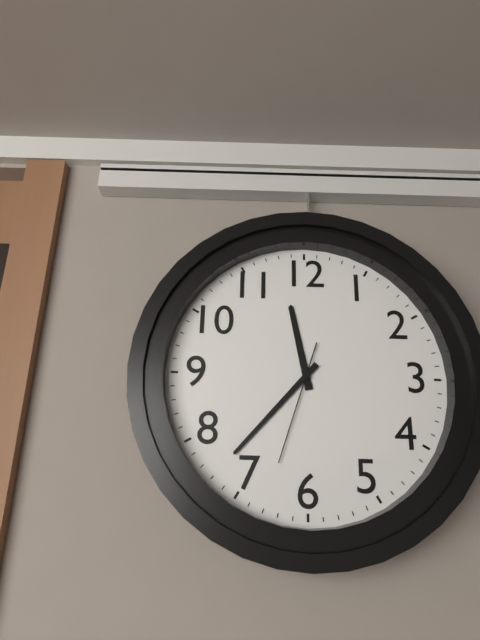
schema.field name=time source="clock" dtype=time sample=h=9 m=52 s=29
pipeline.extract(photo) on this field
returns h=11 m=37 s=33
